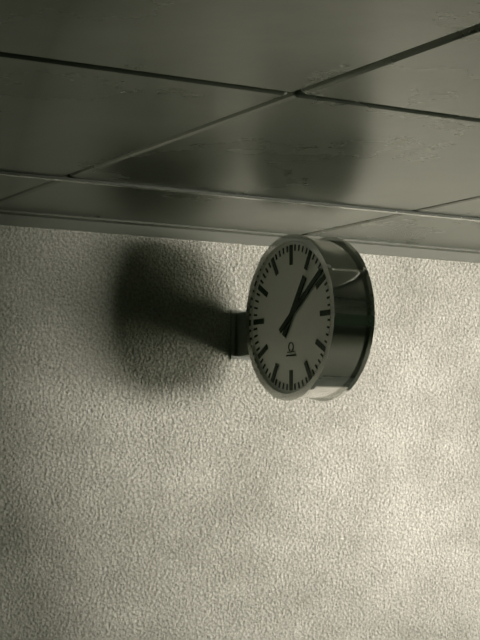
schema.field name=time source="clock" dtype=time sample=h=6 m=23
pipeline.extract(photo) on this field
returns h=1 m=9
